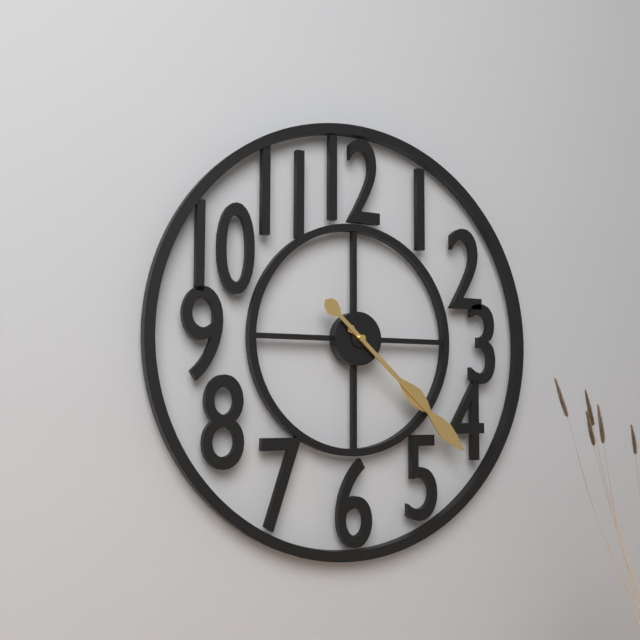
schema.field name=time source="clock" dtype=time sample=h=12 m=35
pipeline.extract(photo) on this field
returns h=4 m=22
